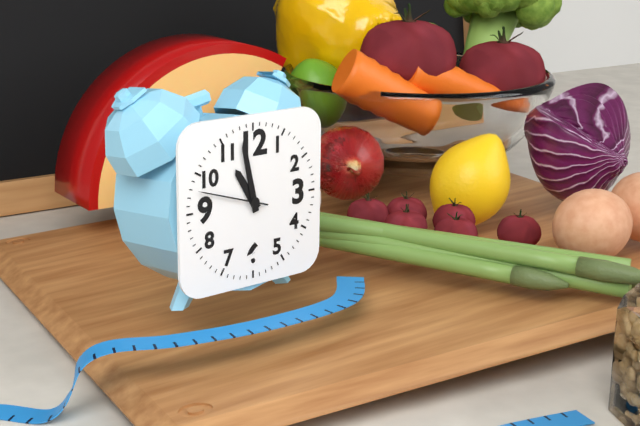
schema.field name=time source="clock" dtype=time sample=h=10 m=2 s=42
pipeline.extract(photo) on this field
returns h=10 m=58 s=48
